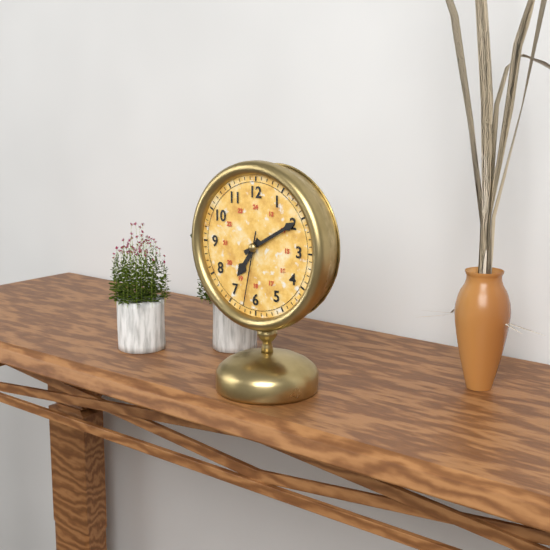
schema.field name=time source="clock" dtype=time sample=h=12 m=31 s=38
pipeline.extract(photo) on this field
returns h=7 m=10 s=32
